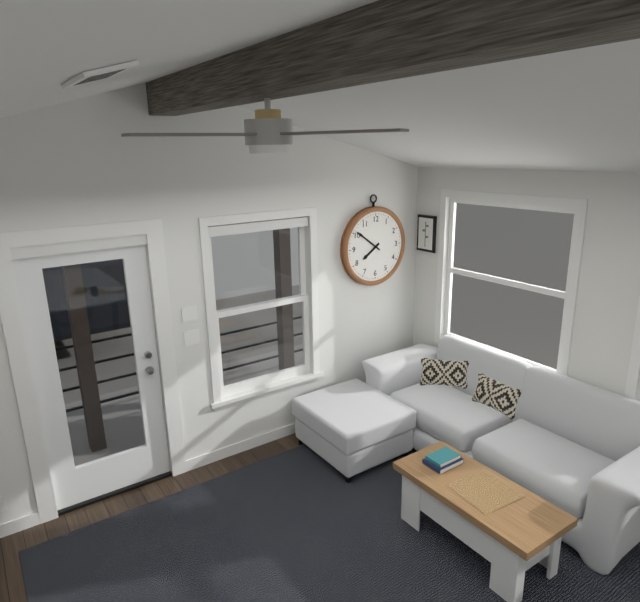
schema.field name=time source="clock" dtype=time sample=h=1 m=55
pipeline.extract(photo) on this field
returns h=7 m=51
